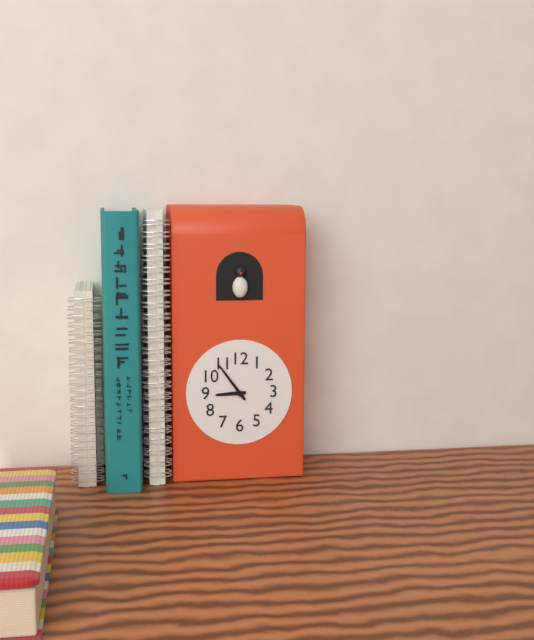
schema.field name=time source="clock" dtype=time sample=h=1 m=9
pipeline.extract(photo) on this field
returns h=8 m=54
